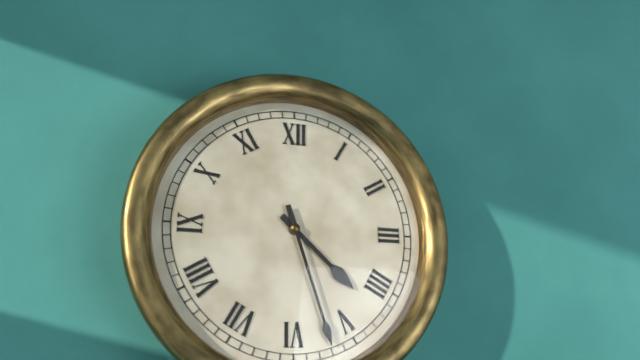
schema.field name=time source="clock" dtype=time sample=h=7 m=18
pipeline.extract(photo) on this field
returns h=4 m=27
